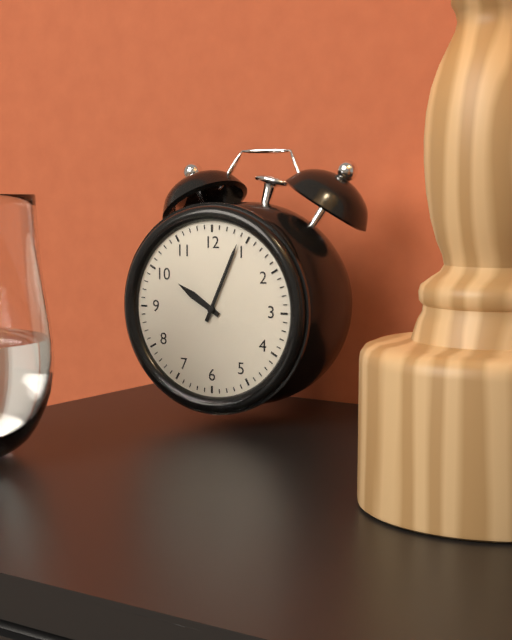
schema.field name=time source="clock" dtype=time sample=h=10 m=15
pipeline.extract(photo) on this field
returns h=10 m=4
